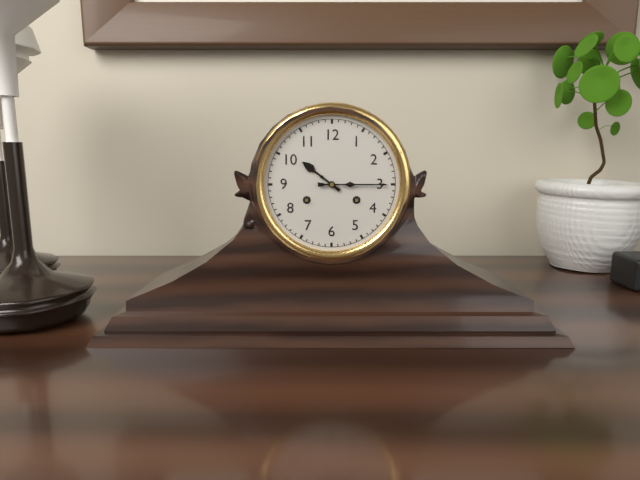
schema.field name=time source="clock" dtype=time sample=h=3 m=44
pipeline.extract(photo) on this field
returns h=10 m=15
